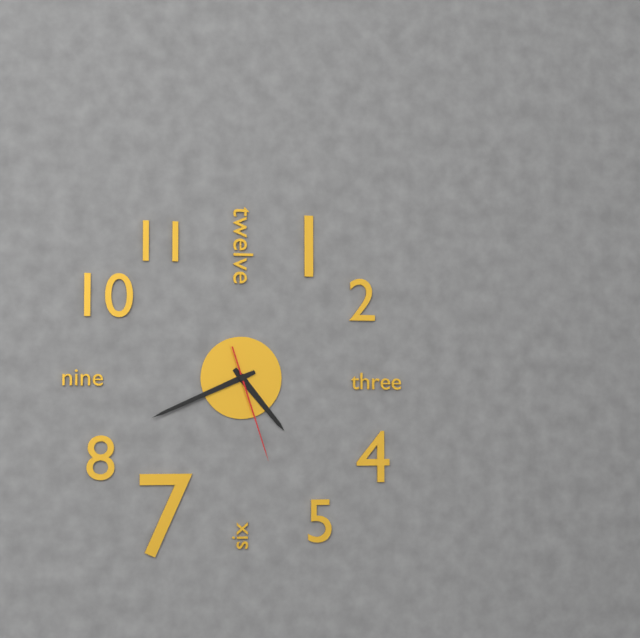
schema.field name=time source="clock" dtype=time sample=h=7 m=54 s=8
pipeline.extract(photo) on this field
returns h=4 m=41 s=27
